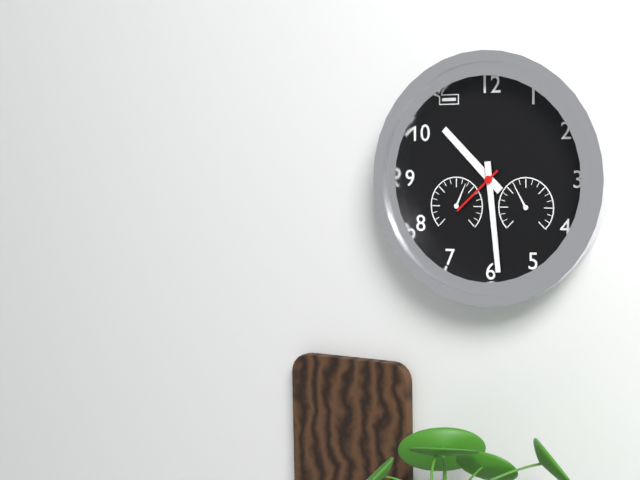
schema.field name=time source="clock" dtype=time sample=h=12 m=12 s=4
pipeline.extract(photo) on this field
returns h=10 m=29 s=38
